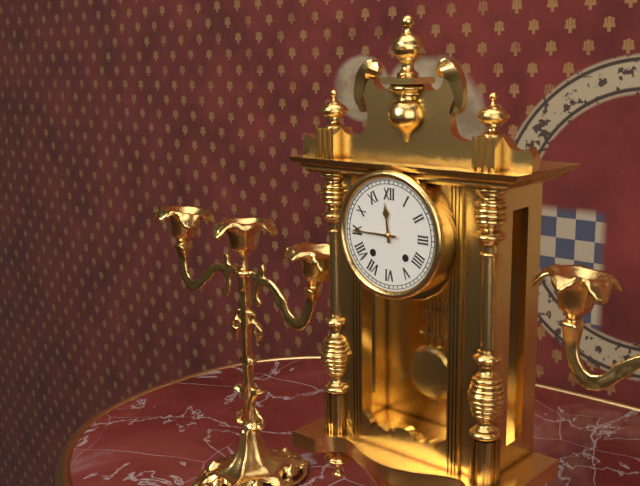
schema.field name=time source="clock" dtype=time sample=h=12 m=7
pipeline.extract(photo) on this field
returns h=11 m=45
